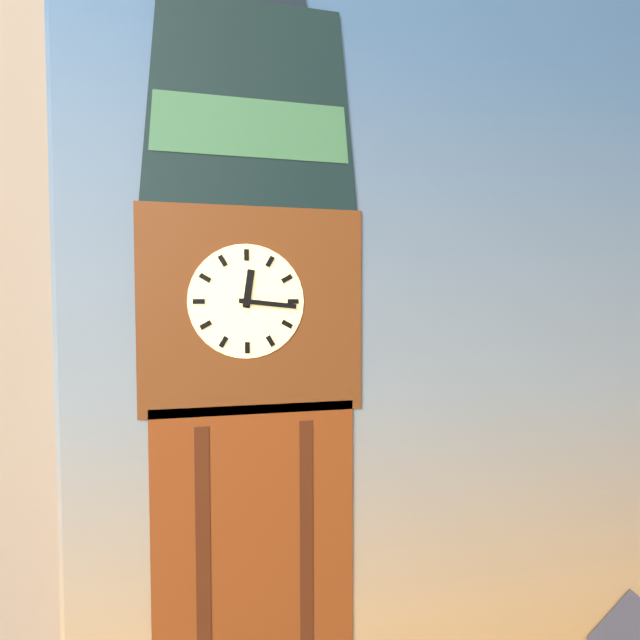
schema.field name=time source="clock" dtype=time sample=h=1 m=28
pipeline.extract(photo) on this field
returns h=12 m=16
